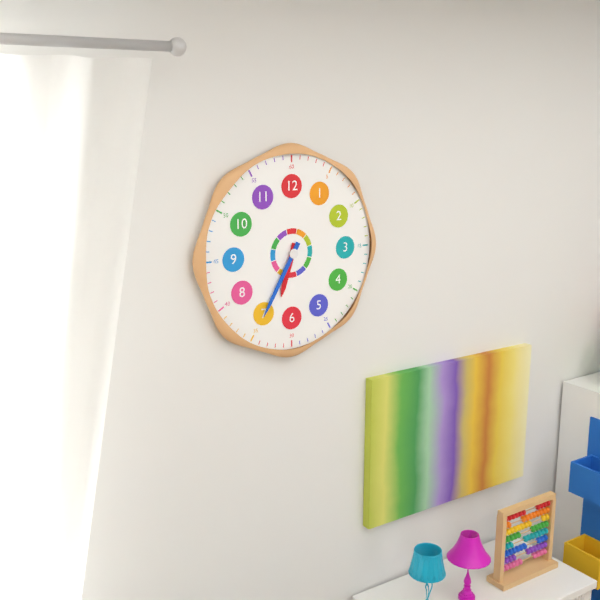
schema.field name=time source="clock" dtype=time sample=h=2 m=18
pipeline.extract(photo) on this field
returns h=6 m=35
